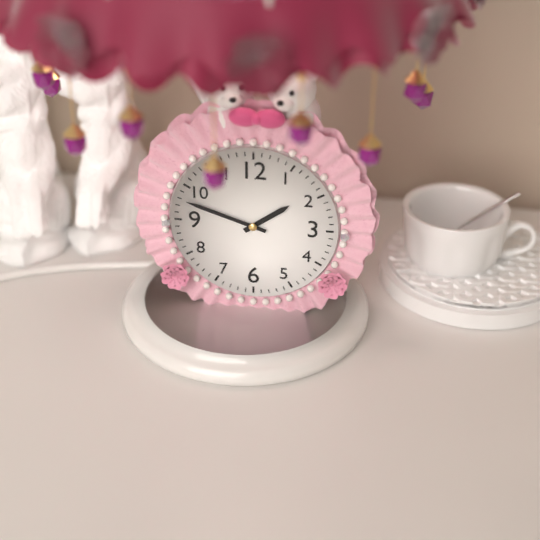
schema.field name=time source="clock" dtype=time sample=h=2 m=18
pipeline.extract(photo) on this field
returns h=1 m=48
